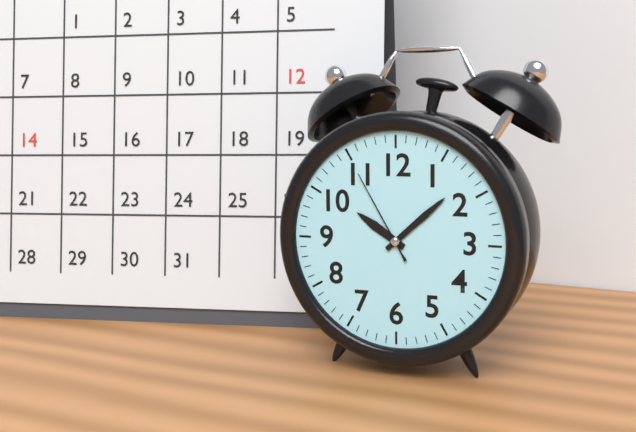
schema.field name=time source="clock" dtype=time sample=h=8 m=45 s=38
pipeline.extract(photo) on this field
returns h=10 m=8 s=55
